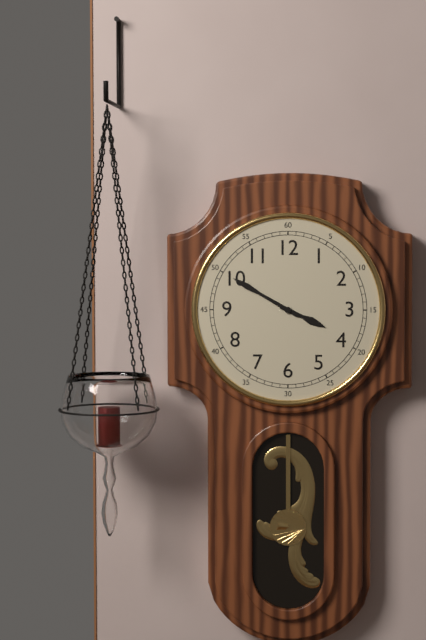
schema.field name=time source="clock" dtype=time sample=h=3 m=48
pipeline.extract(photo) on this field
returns h=3 m=50
